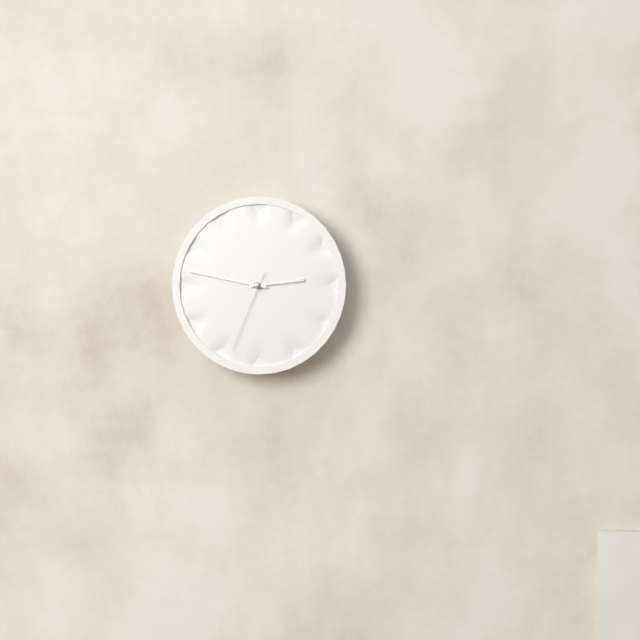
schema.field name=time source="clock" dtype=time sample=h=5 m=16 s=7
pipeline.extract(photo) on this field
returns h=2 m=47 s=34
